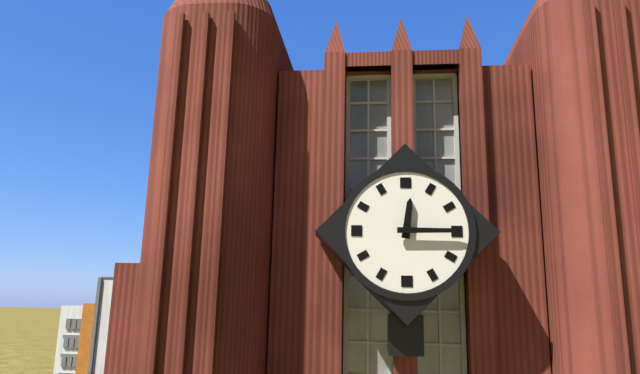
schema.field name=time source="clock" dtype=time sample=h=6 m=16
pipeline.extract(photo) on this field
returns h=12 m=15
